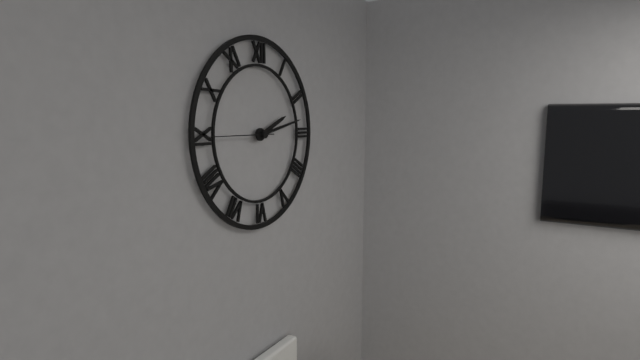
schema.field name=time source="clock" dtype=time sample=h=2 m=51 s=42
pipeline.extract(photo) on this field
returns h=2 m=13 s=45
